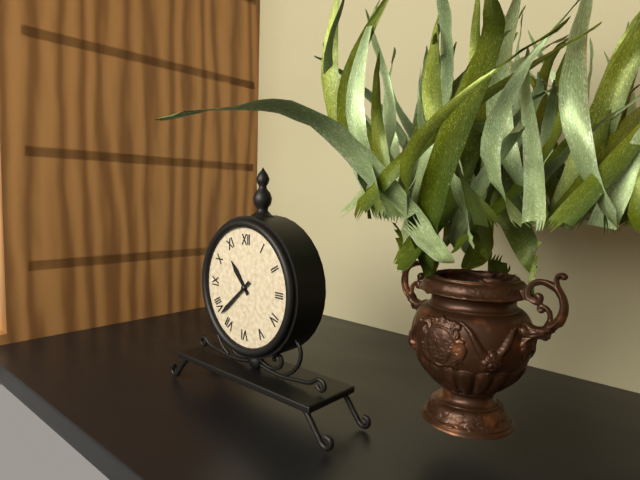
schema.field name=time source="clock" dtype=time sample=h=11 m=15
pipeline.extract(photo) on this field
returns h=10 m=38
